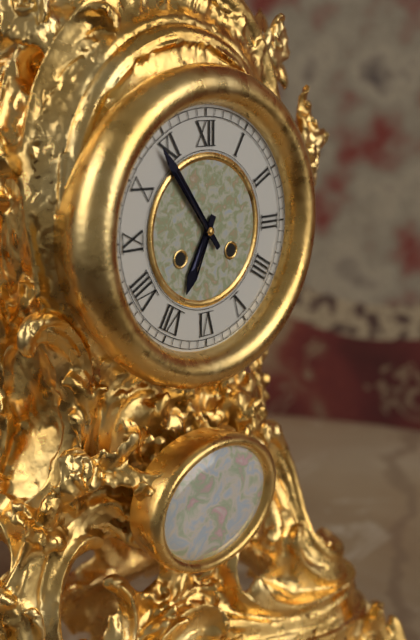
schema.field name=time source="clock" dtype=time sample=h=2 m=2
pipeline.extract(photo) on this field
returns h=6 m=54
